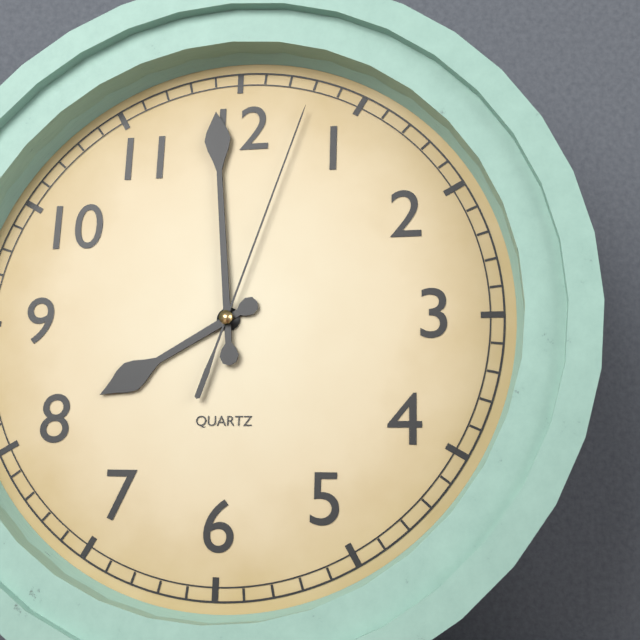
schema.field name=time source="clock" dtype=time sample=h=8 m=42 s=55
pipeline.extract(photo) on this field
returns h=7 m=59 s=3
